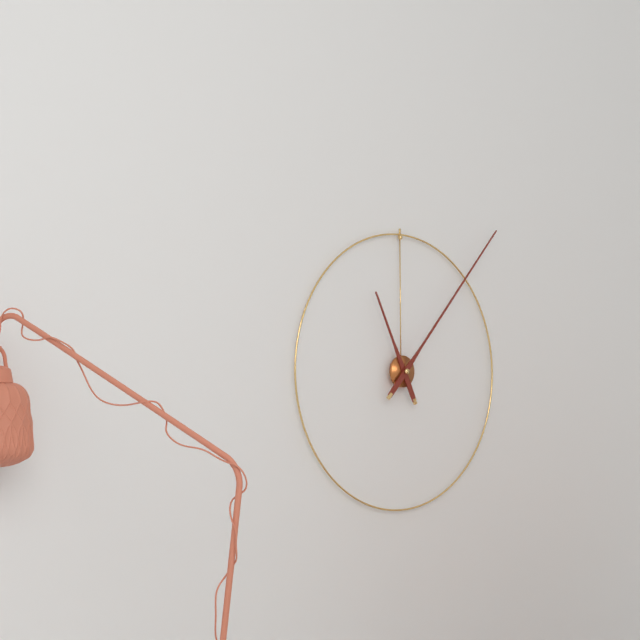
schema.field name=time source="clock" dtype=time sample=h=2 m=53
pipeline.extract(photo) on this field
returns h=11 m=7
